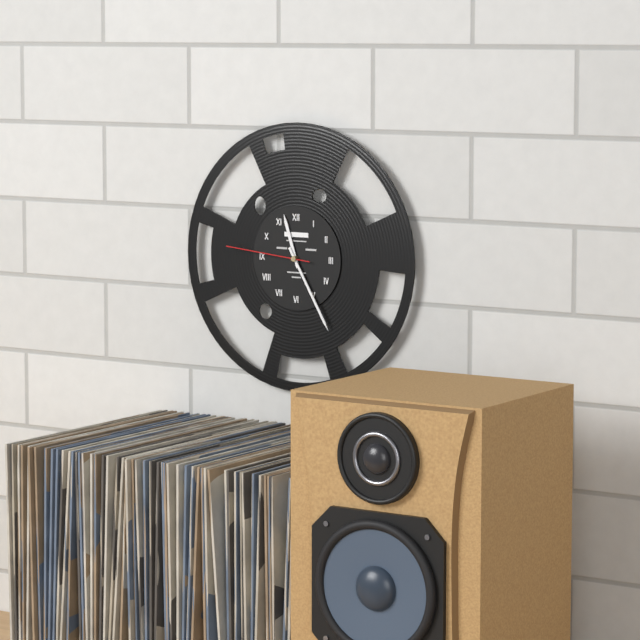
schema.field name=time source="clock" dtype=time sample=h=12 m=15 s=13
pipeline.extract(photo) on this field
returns h=11 m=25 s=46
